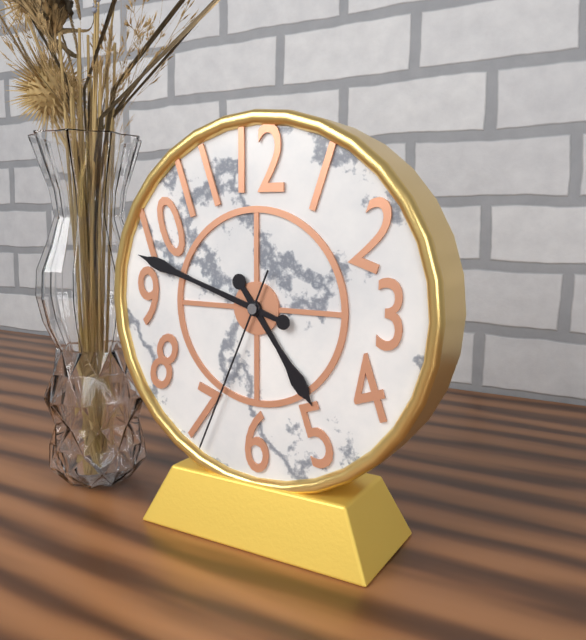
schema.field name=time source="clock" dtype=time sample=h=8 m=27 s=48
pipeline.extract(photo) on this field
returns h=4 m=48 s=34
